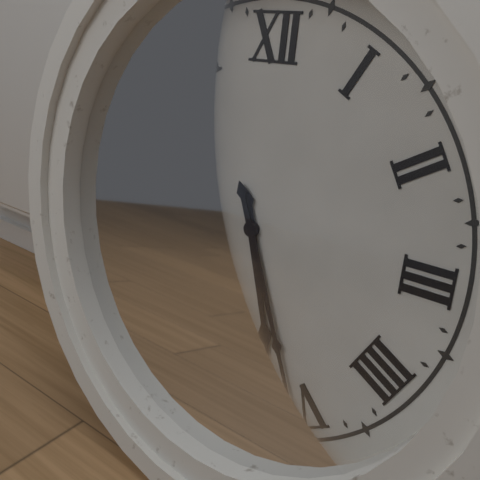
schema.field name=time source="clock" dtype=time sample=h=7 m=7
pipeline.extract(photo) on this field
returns h=5 m=26
